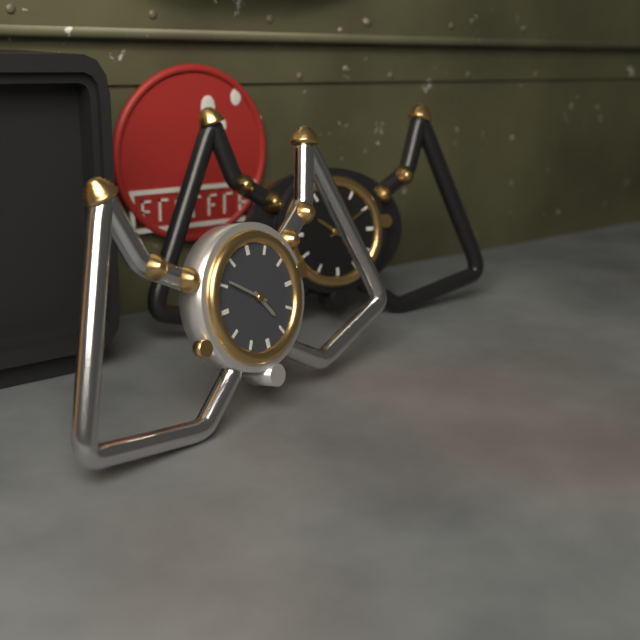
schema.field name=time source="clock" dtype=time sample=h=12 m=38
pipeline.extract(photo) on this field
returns h=4 m=51
